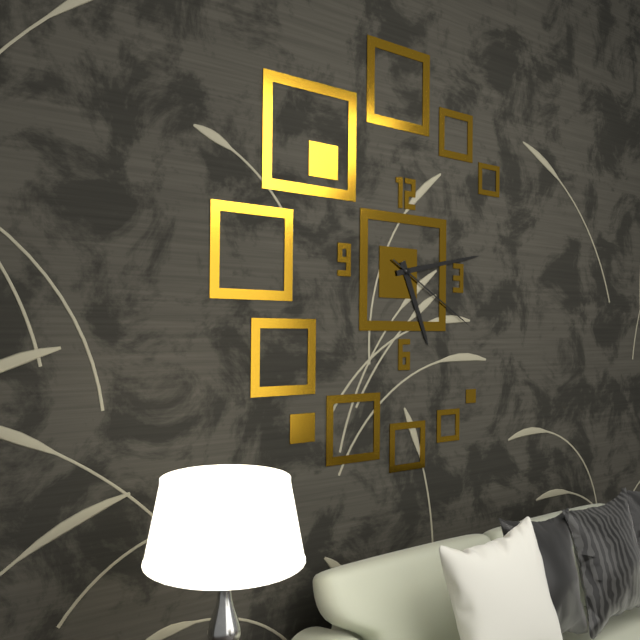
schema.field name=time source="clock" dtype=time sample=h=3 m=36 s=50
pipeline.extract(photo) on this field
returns h=5 m=13 s=20
